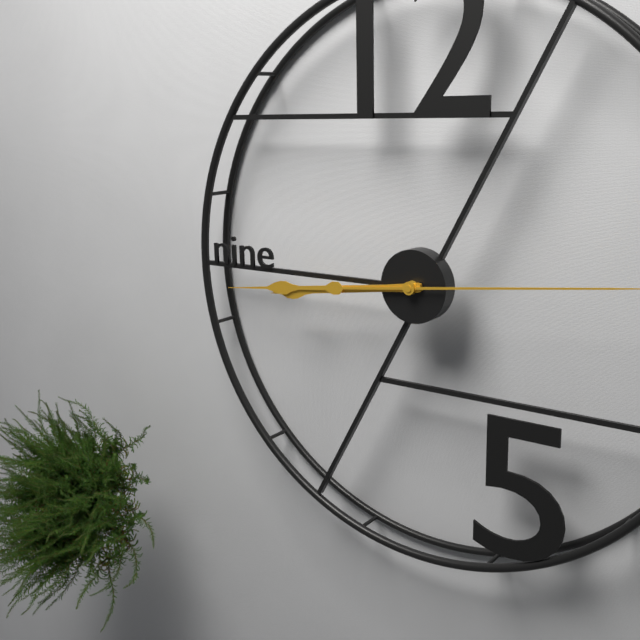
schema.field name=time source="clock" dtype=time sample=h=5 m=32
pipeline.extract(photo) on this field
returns h=8 m=44
